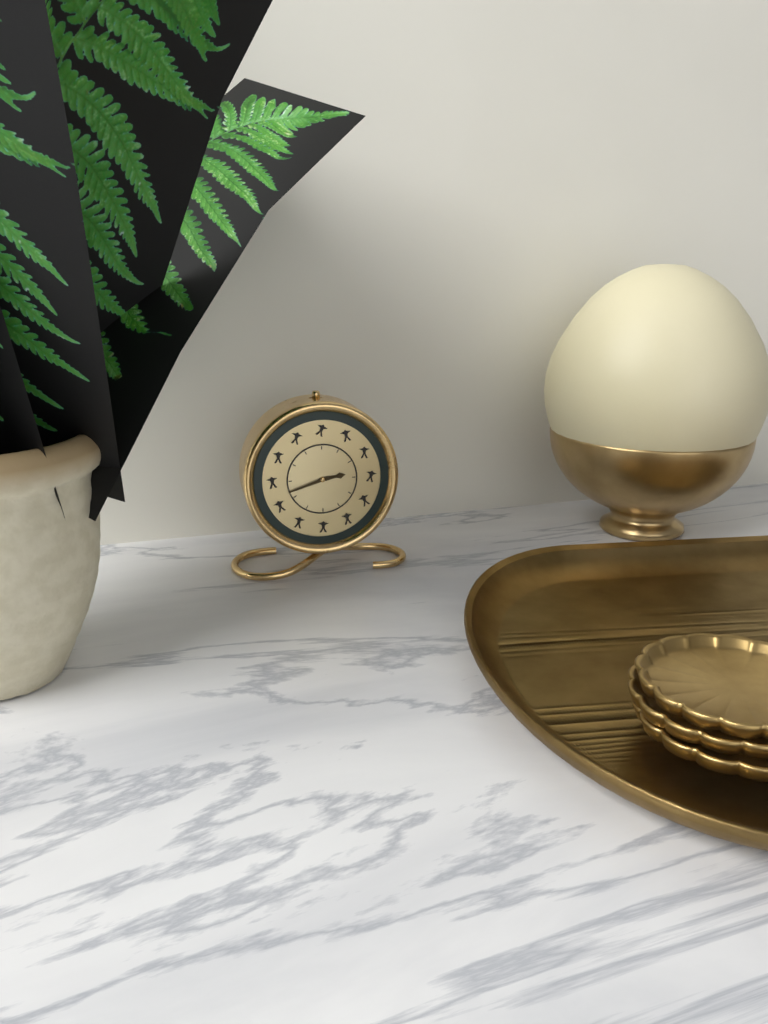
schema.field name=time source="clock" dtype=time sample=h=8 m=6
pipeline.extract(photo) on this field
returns h=2 m=42
